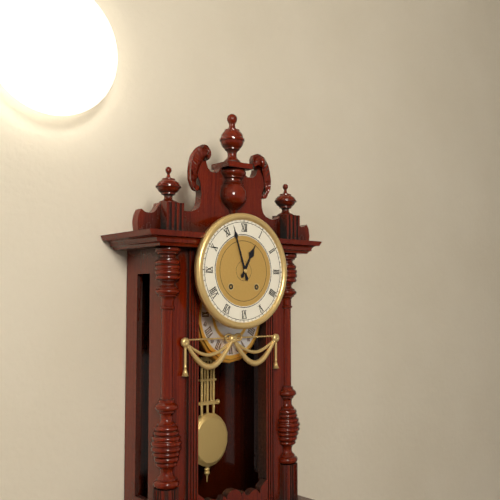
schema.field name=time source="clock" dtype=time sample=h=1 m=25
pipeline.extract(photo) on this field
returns h=12 m=57
